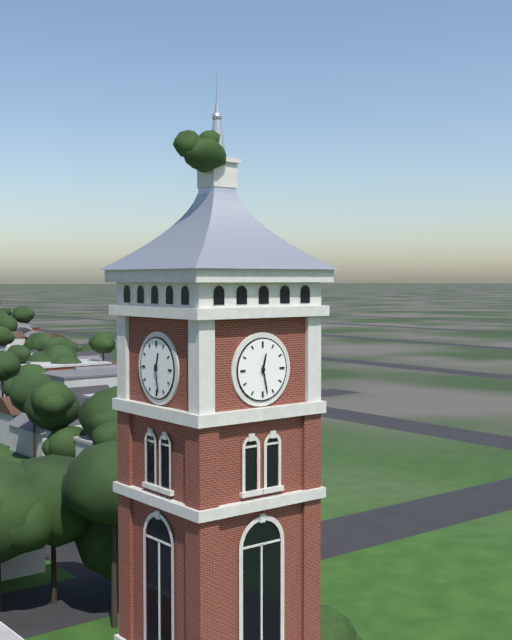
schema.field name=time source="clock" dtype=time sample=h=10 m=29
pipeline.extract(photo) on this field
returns h=12 m=28
